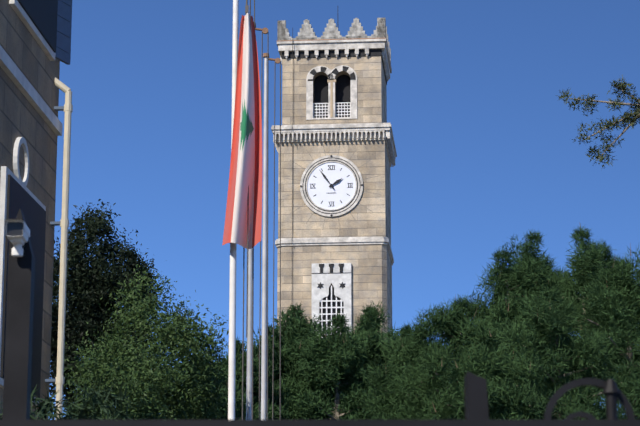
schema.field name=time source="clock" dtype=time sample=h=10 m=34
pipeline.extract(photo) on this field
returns h=1 m=54
